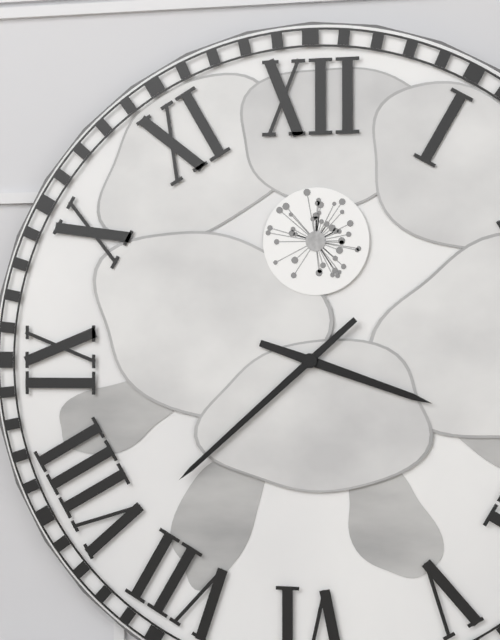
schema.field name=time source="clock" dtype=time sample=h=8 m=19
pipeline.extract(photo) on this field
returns h=3 m=38
